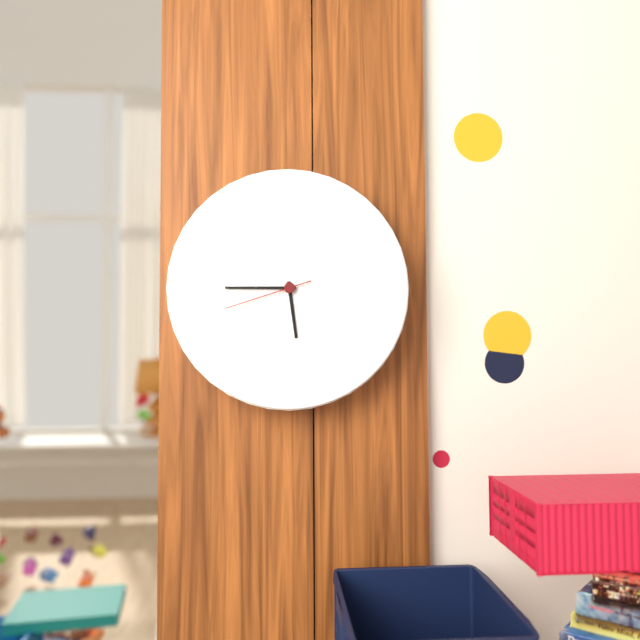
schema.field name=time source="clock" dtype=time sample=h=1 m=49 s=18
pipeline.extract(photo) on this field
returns h=5 m=45 s=42
